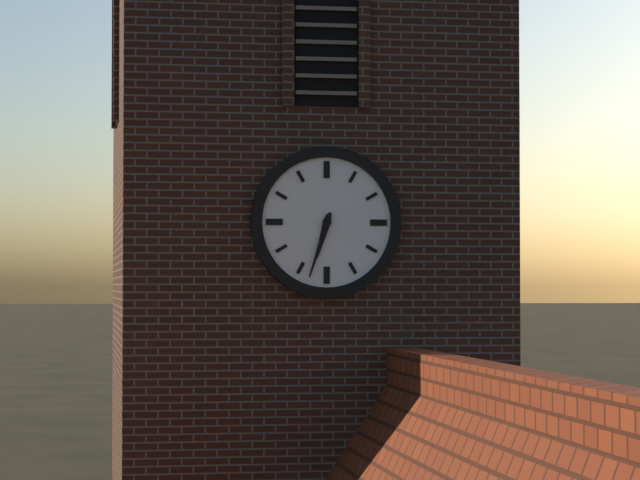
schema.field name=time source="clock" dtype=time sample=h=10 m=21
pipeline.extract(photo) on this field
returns h=6 m=33
